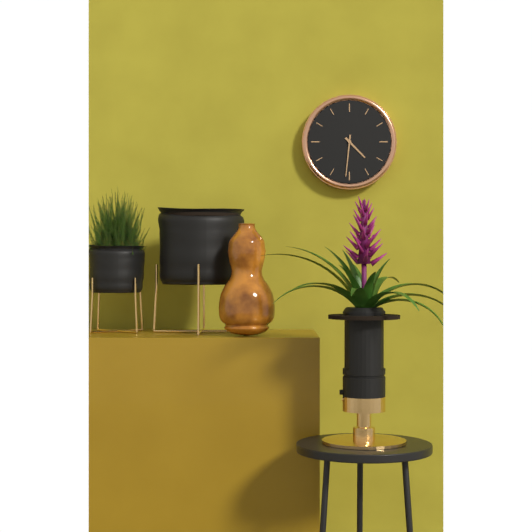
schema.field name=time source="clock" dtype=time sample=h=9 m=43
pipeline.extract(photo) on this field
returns h=4 m=31
